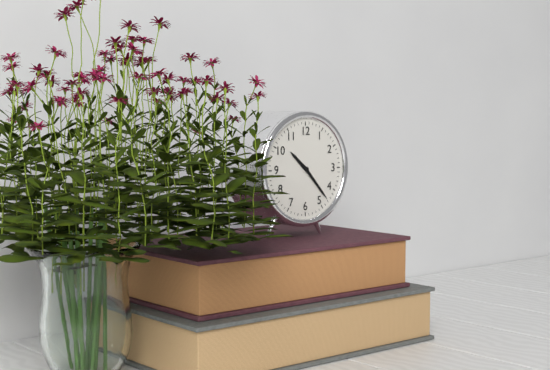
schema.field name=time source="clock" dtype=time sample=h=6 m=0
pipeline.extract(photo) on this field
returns h=10 m=23
